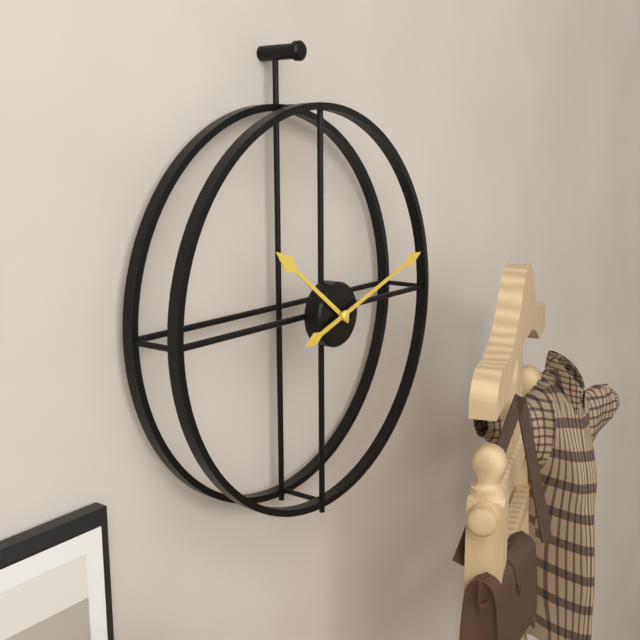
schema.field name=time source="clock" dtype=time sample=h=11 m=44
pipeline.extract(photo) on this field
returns h=10 m=12
